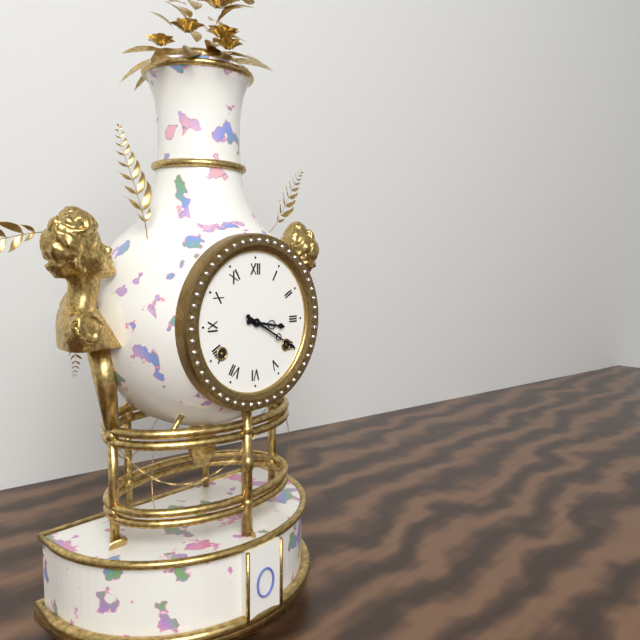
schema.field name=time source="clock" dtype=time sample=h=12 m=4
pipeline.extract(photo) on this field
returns h=3 m=20
